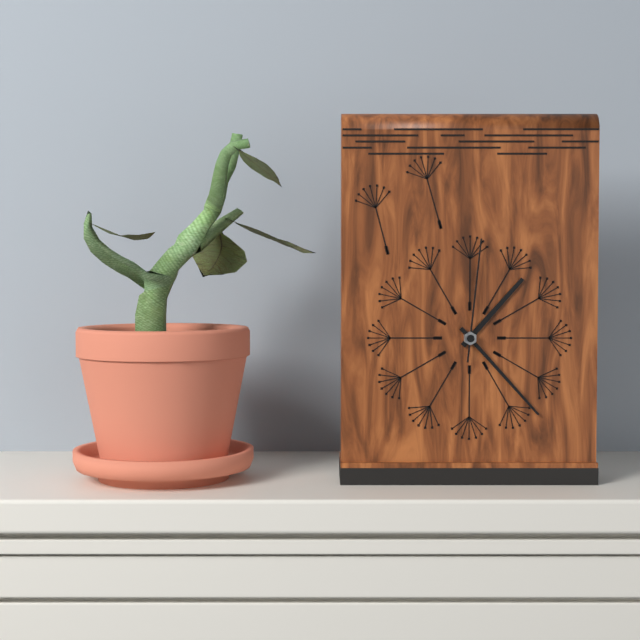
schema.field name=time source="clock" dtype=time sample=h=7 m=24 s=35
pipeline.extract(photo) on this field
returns h=1 m=23 s=1
